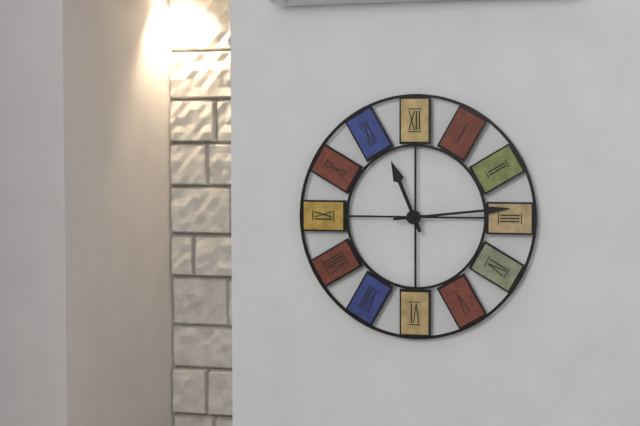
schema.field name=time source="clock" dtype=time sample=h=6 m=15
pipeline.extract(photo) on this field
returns h=11 m=14
